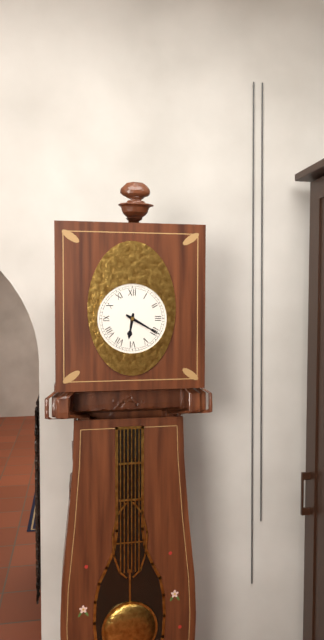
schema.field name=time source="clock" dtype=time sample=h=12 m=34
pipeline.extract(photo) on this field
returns h=6 m=20
